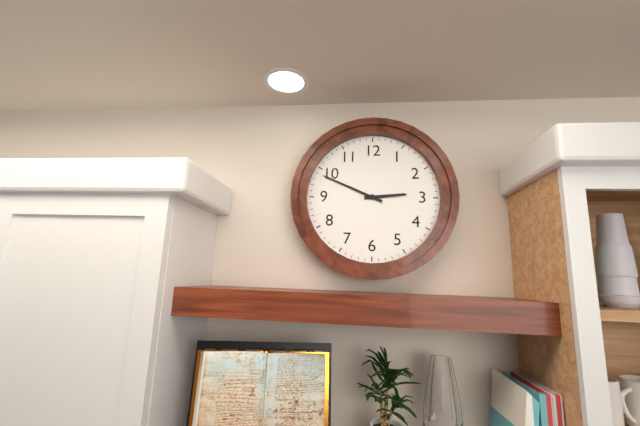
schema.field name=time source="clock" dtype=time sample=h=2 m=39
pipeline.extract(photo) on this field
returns h=2 m=49
